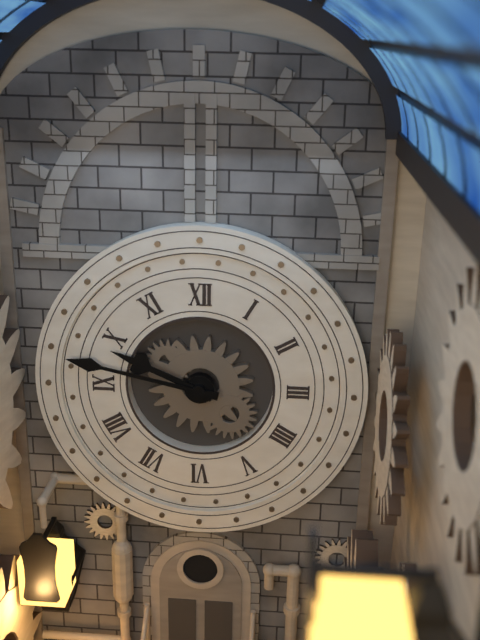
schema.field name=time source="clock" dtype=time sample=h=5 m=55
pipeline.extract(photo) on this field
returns h=9 m=47
